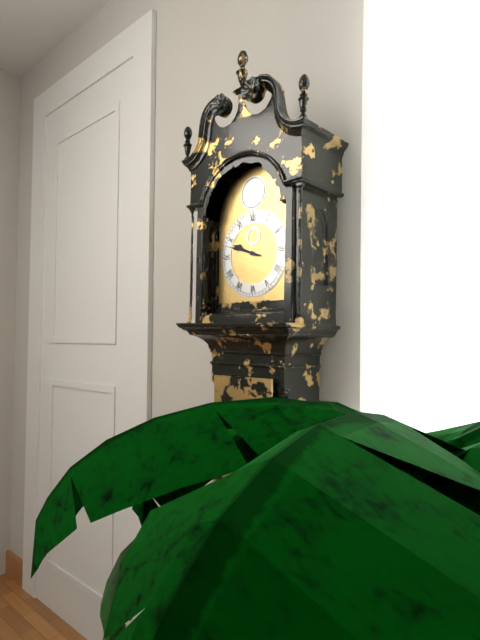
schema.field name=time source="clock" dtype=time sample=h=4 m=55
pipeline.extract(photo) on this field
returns h=9 m=48
